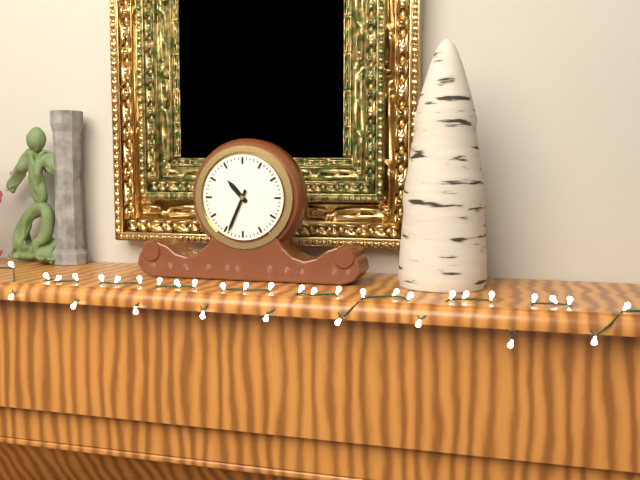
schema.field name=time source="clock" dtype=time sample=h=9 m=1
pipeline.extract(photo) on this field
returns h=10 m=34
